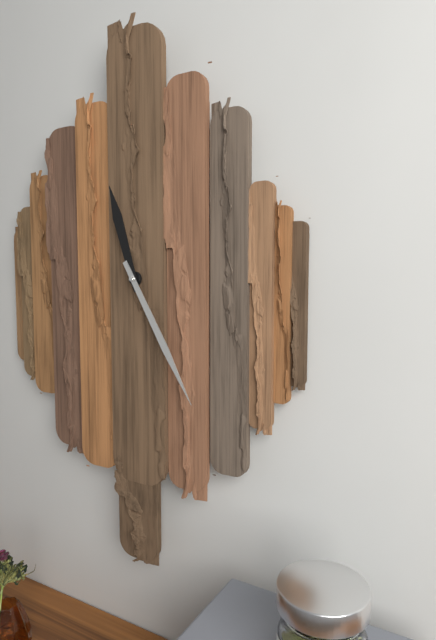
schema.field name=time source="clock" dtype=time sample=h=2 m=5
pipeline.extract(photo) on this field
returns h=11 m=25
